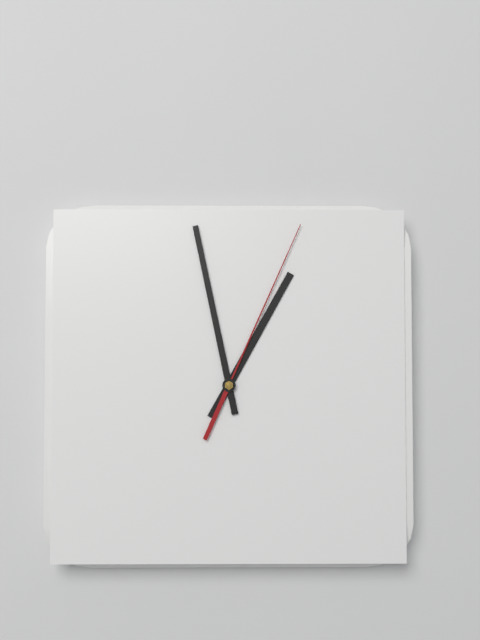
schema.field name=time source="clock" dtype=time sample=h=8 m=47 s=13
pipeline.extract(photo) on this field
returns h=12 m=58 s=4
